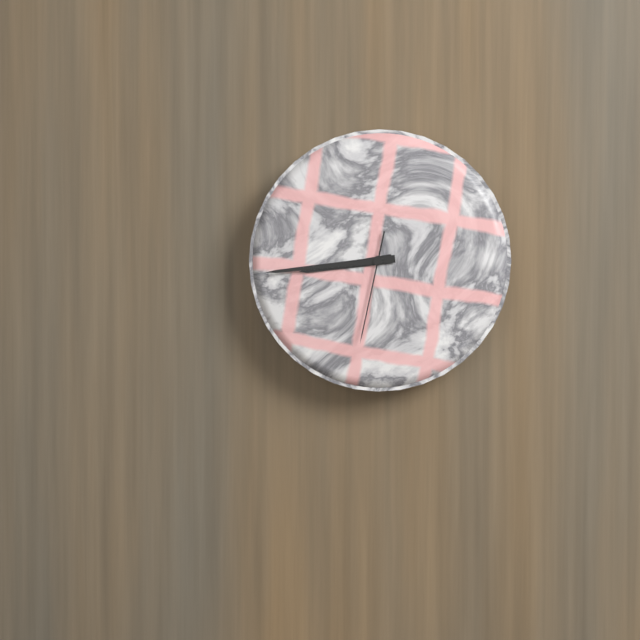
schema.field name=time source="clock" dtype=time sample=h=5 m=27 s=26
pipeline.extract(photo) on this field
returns h=8 m=44 s=32
